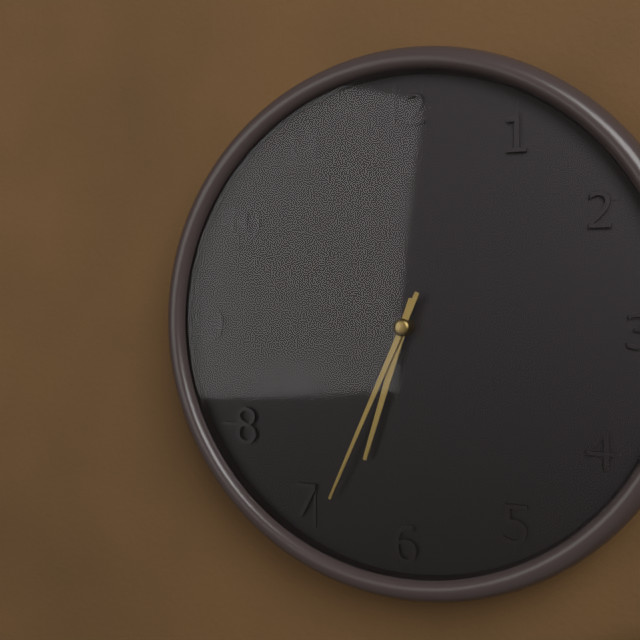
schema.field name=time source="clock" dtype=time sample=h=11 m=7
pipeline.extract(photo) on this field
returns h=6 m=34
